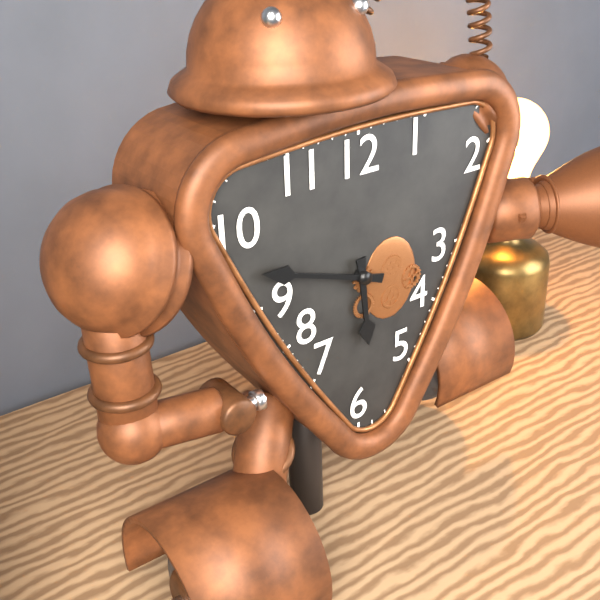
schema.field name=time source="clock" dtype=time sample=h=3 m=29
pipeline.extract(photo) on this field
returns h=5 m=48
